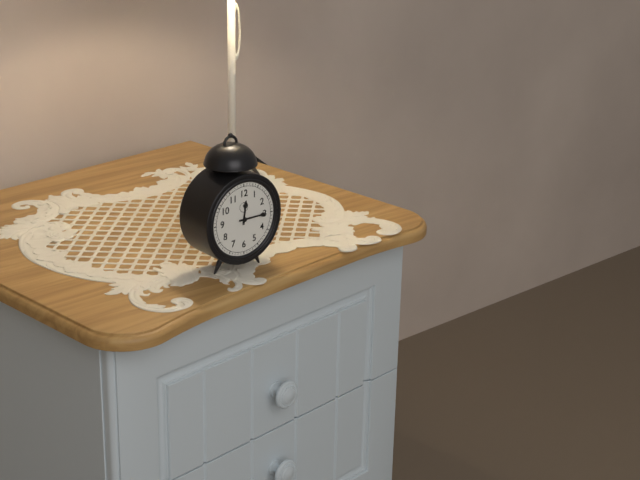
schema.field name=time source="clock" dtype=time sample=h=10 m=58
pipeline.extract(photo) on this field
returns h=12 m=15
